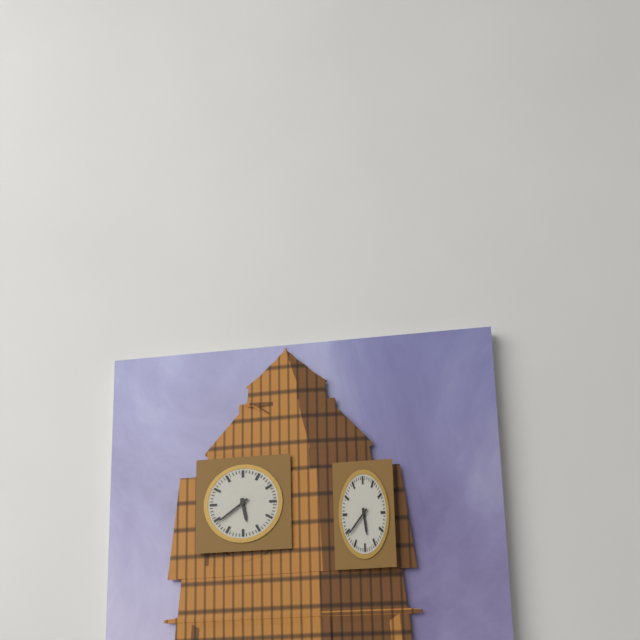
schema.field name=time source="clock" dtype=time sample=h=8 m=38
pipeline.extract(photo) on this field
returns h=5 m=39
